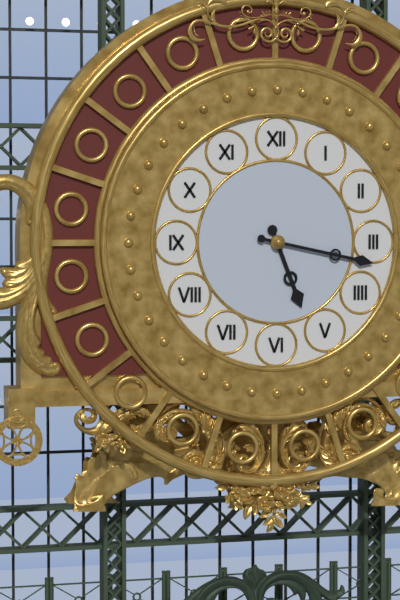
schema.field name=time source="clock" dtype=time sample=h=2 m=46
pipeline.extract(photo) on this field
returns h=5 m=17
